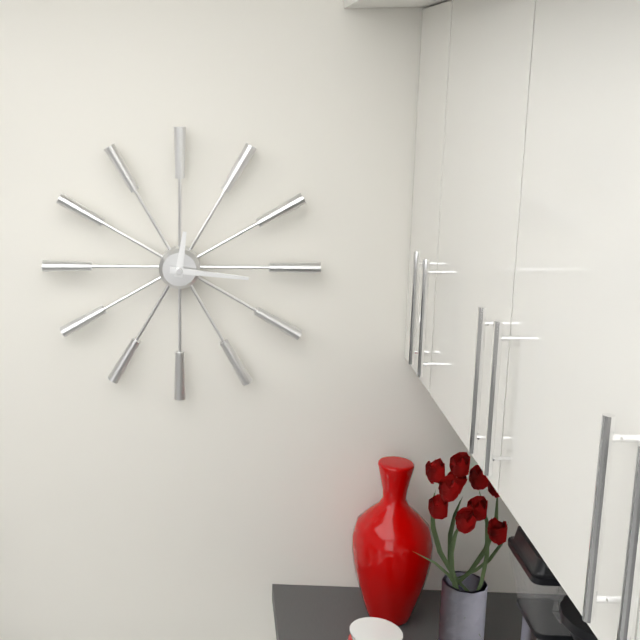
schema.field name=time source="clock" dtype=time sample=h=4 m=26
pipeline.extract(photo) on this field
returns h=12 m=16
